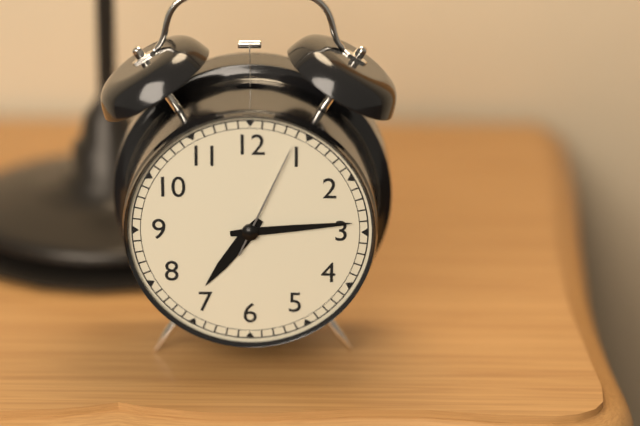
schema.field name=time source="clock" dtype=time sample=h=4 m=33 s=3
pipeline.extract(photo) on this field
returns h=7 m=14 s=4
